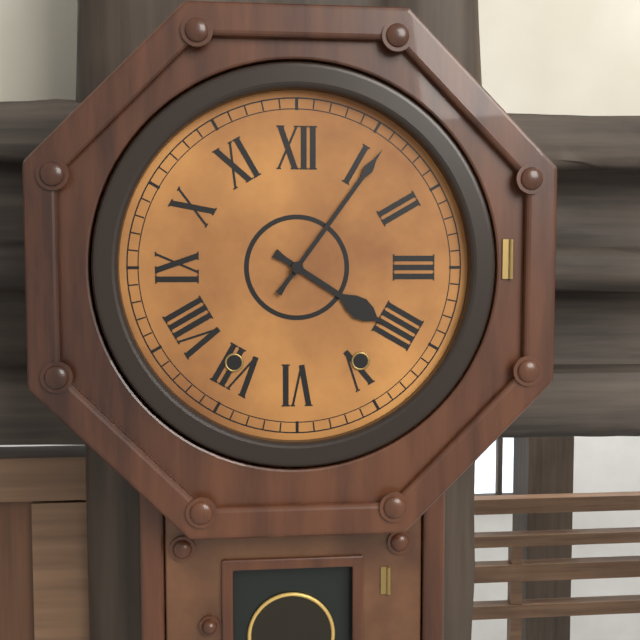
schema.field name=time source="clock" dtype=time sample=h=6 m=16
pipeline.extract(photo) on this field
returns h=4 m=6
